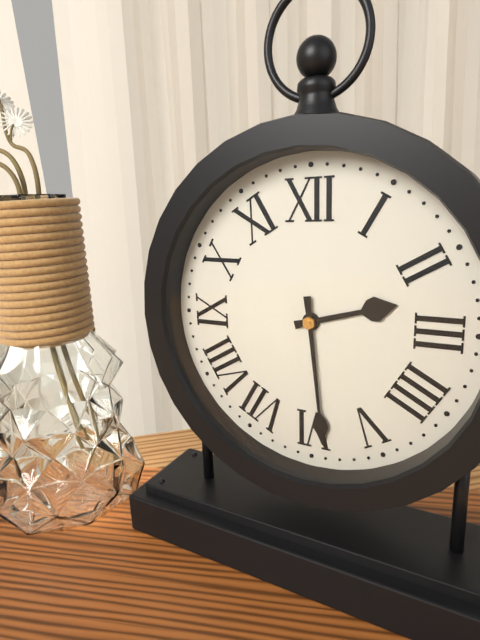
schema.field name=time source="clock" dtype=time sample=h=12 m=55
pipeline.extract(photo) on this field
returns h=2 m=29
